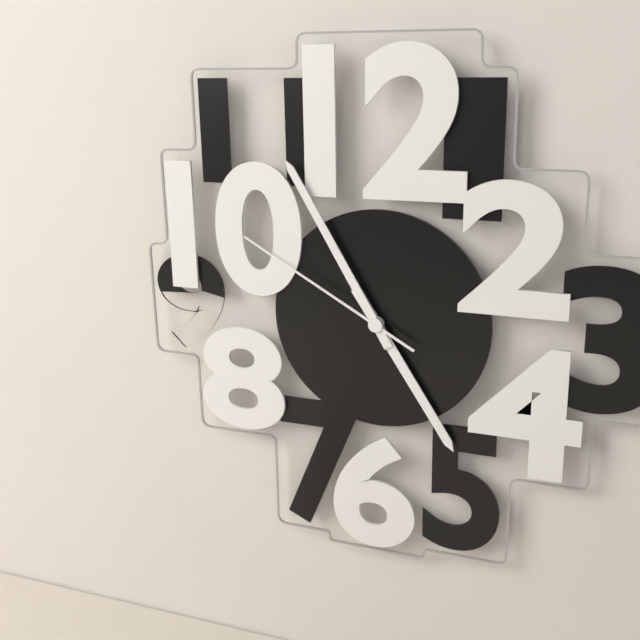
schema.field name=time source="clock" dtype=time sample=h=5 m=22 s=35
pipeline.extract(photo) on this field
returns h=4 m=55 s=50
